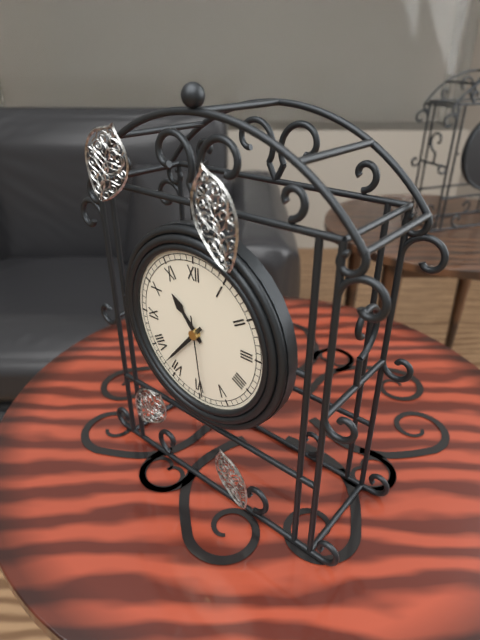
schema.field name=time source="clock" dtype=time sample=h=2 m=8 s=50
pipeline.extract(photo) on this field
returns h=10 m=37 s=29
